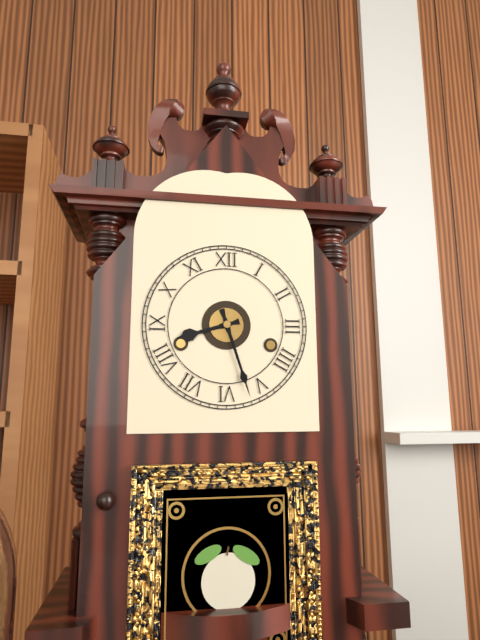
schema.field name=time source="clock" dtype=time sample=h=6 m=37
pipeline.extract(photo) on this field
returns h=8 m=27
